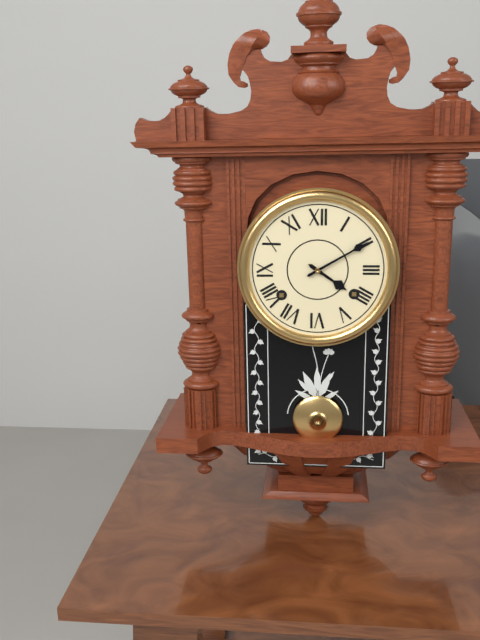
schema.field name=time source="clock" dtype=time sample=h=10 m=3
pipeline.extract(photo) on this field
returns h=4 m=10
